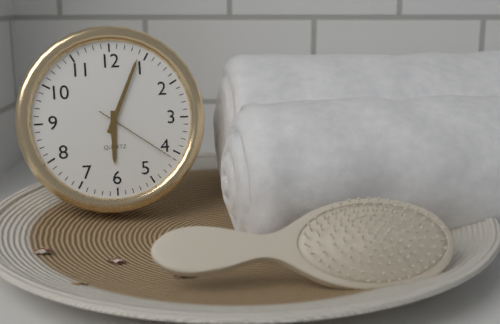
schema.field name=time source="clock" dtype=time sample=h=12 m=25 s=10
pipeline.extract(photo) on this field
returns h=6 m=4 s=21
